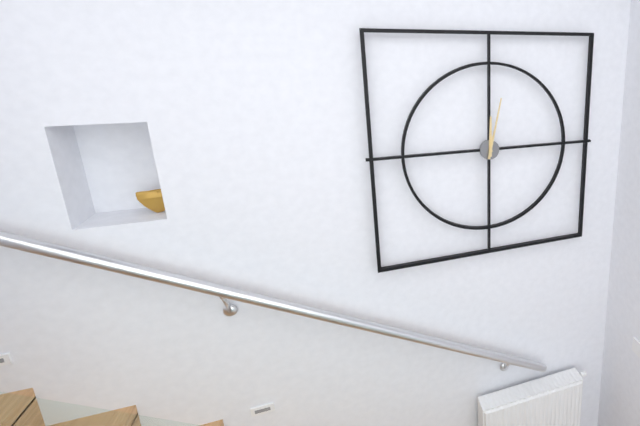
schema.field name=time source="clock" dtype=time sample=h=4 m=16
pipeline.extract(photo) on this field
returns h=12 m=2
